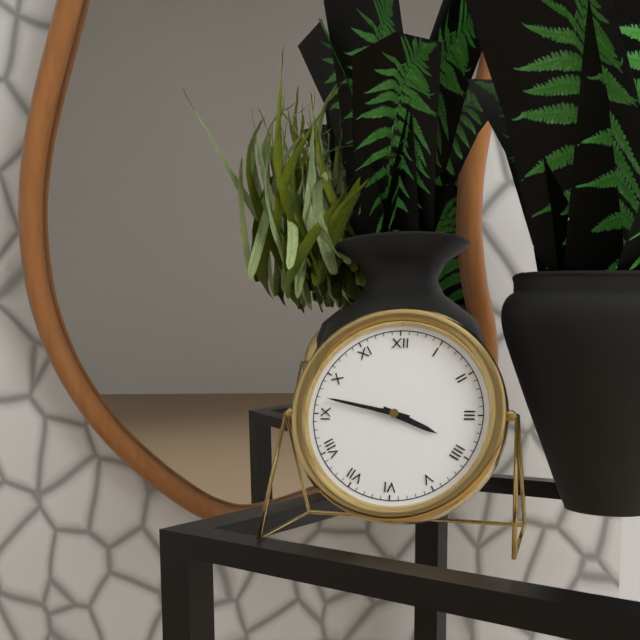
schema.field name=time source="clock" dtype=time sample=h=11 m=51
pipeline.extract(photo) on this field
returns h=3 m=47
